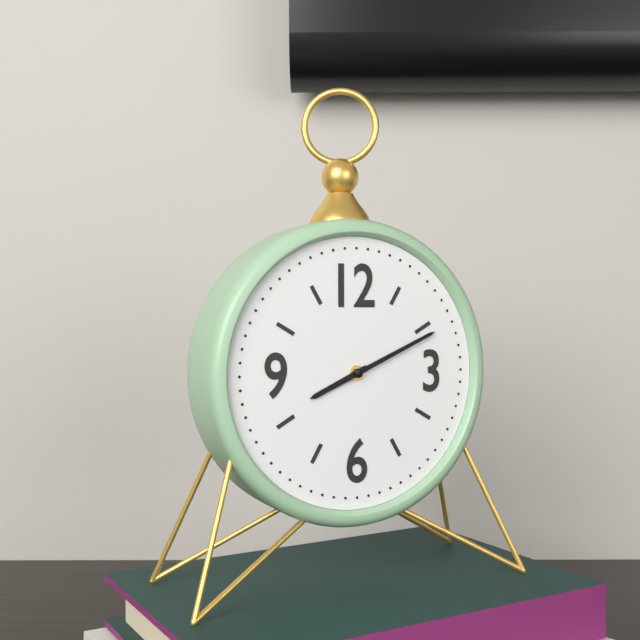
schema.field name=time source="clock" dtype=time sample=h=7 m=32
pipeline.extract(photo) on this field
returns h=8 m=11
